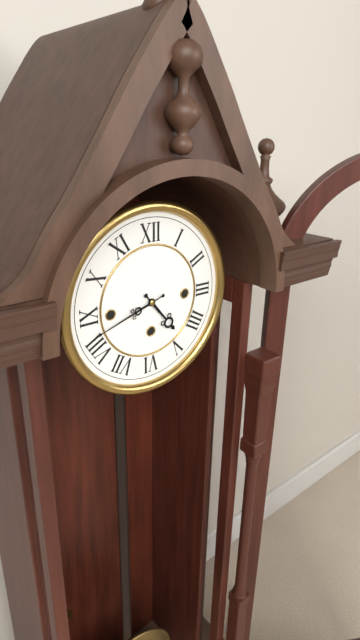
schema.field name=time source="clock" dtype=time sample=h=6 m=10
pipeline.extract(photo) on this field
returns h=4 m=42
